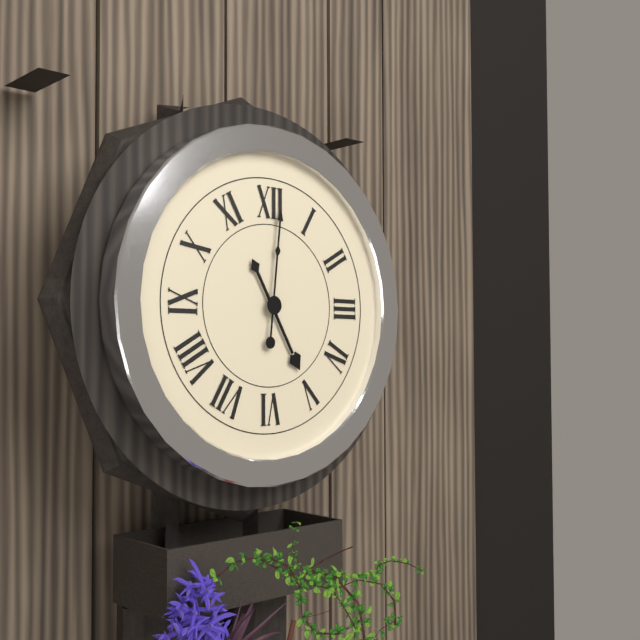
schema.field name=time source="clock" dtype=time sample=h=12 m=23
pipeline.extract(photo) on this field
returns h=5 m=1
